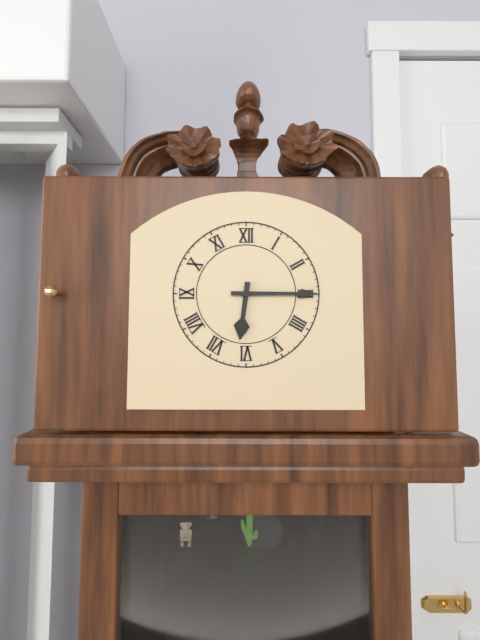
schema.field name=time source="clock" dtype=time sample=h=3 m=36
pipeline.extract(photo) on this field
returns h=6 m=15
